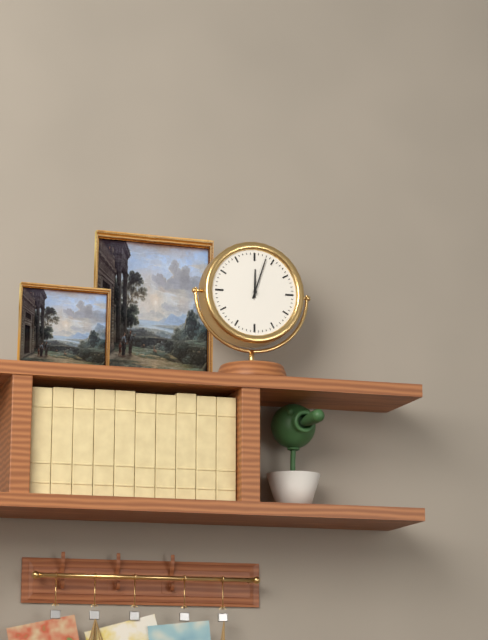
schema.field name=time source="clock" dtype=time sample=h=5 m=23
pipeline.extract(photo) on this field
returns h=12 m=3
